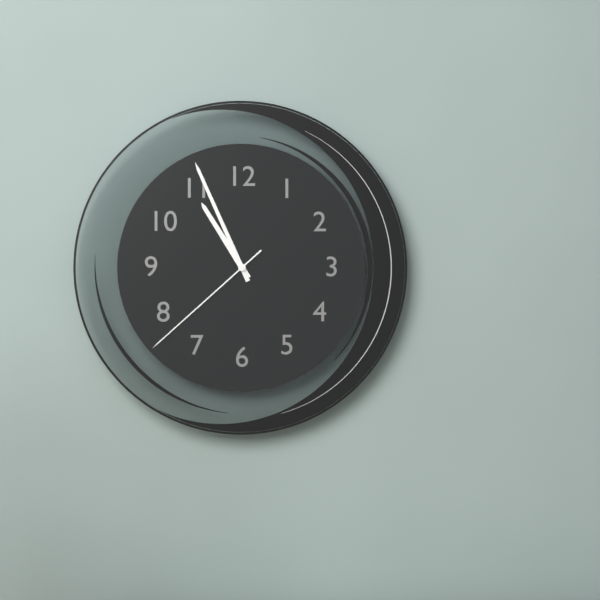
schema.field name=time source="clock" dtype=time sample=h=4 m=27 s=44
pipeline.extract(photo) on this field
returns h=10 m=56 s=38
